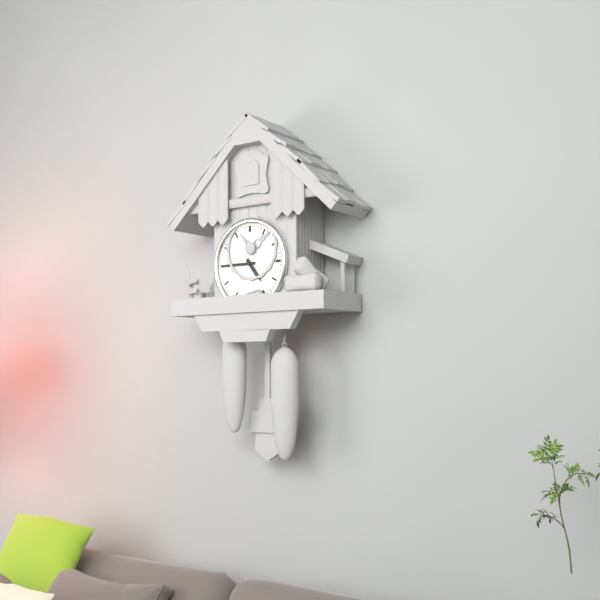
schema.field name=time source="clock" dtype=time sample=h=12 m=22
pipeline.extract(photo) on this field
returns h=4 m=45
